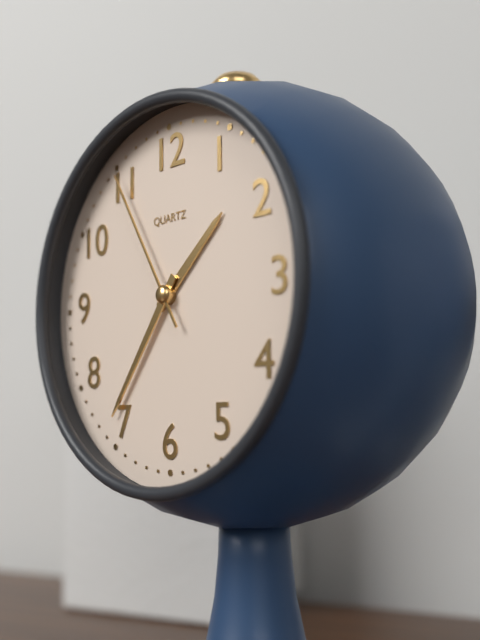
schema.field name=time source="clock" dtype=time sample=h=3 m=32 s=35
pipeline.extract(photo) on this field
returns h=1 m=36 s=55
